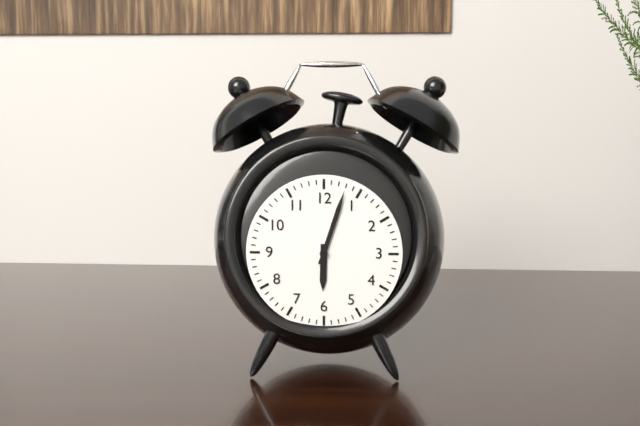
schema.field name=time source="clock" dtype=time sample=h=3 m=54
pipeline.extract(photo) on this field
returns h=6 m=3
